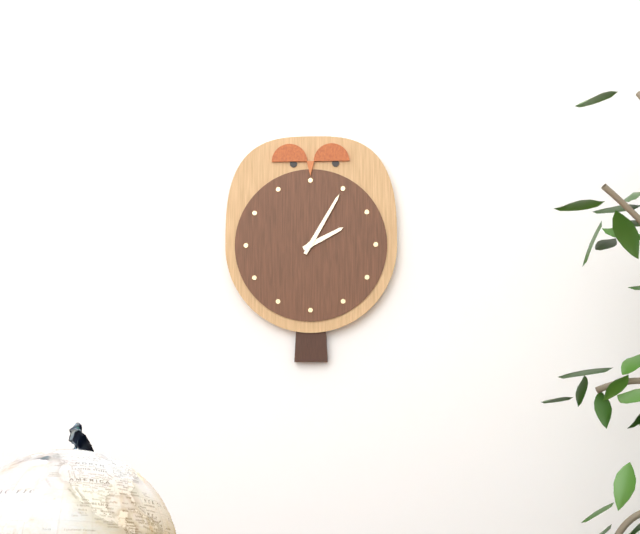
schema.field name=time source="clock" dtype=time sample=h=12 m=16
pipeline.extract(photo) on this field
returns h=2 m=5
